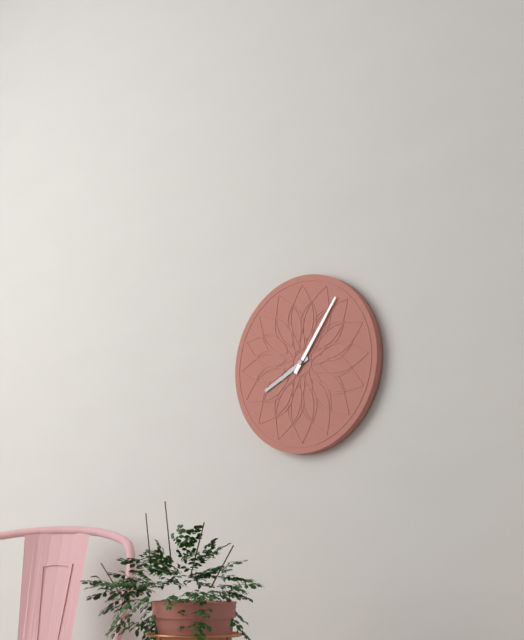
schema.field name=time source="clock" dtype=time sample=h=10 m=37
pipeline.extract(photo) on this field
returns h=8 m=6
